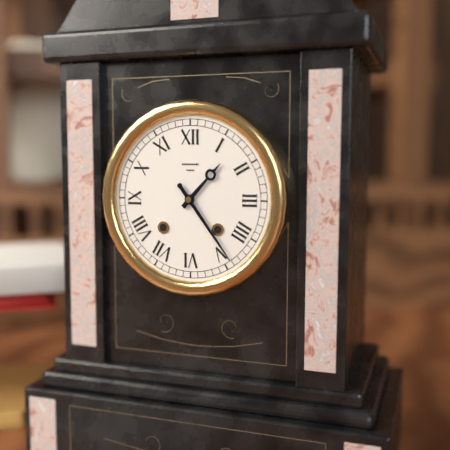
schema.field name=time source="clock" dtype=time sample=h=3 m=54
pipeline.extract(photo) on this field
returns h=1 m=24
